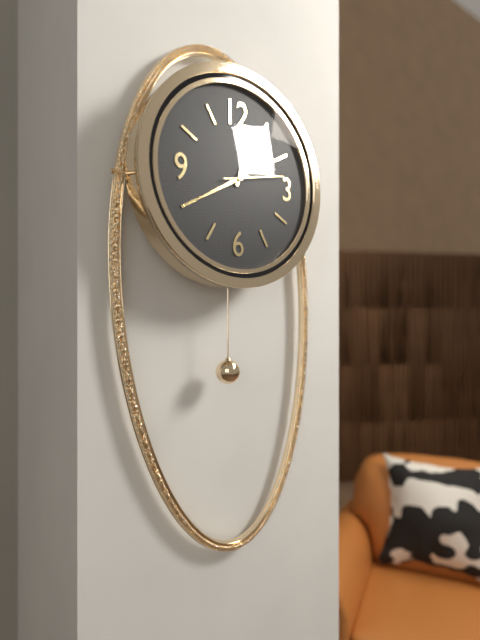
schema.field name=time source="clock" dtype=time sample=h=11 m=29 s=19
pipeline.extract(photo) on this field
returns h=12 m=40 s=13
